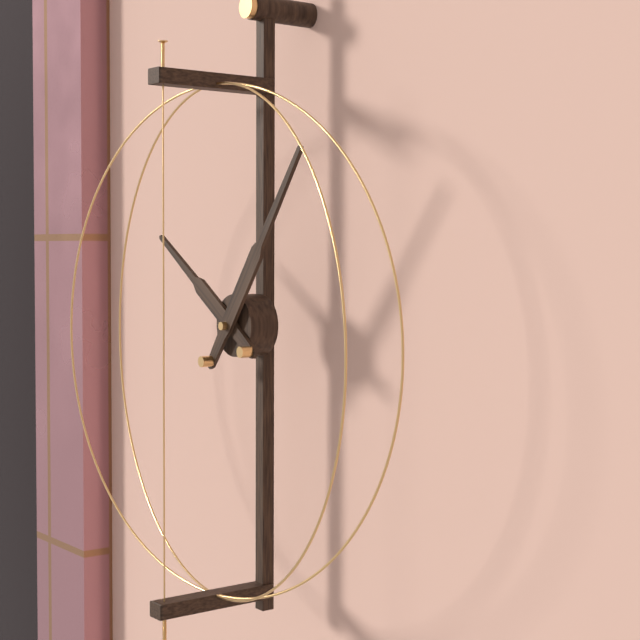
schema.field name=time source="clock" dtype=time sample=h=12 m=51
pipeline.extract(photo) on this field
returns h=10 m=6
